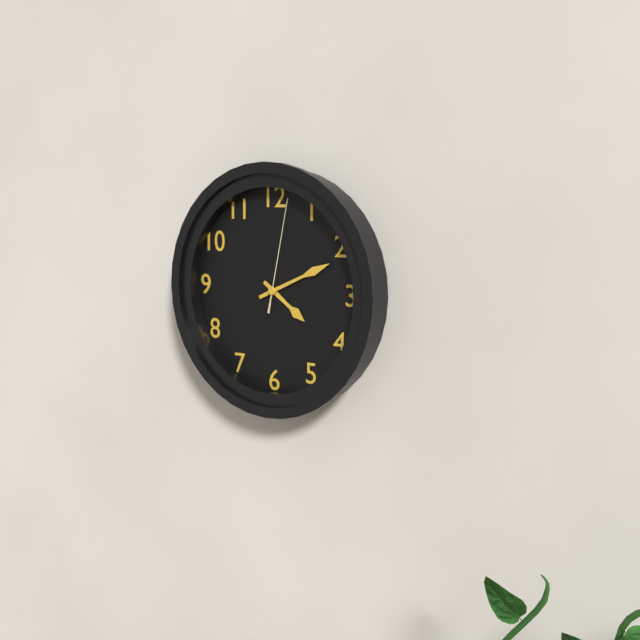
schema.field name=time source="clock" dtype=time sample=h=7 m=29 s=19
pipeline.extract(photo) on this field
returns h=4 m=11 s=2
